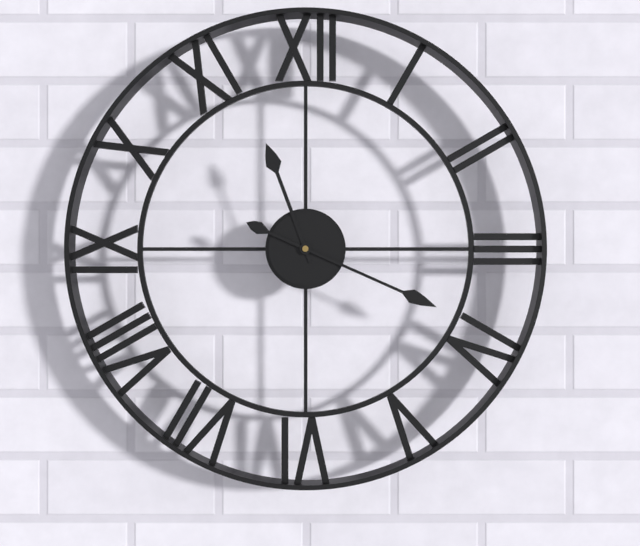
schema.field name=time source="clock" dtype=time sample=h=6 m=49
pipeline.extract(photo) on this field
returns h=11 m=19
